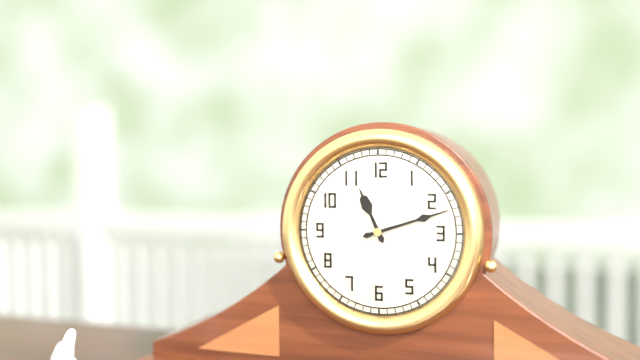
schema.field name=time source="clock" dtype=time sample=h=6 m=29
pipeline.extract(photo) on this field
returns h=11 m=12
